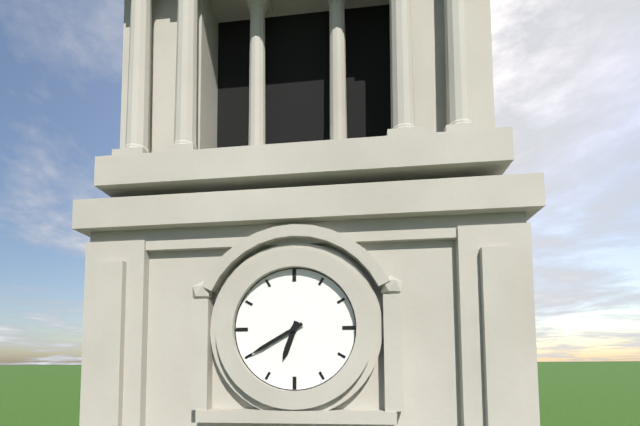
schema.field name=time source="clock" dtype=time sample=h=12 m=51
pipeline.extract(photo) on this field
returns h=6 m=40
